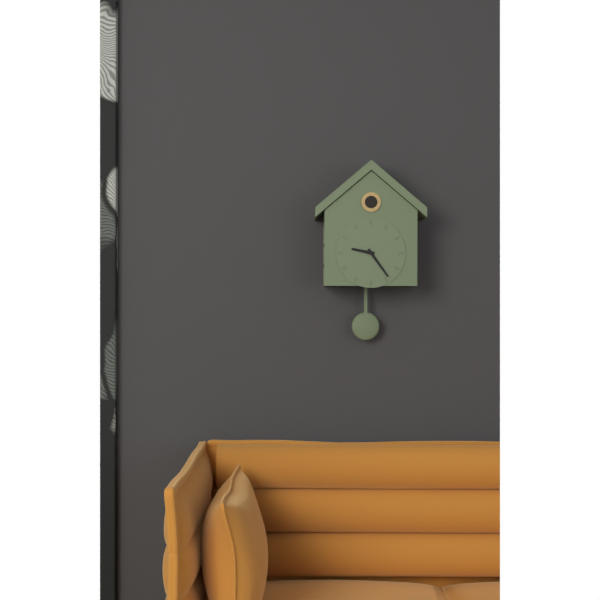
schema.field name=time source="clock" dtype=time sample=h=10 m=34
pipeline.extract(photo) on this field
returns h=9 m=24
